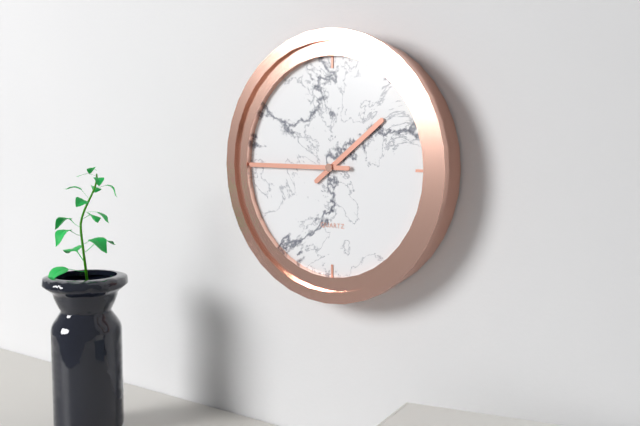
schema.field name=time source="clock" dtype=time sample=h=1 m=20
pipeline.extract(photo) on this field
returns h=1 m=45
